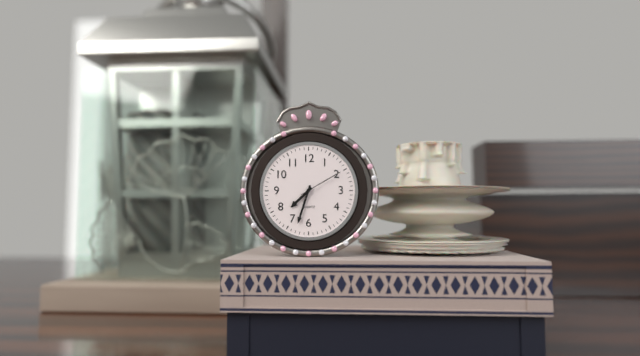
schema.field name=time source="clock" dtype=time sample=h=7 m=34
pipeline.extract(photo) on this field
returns h=7 m=33
